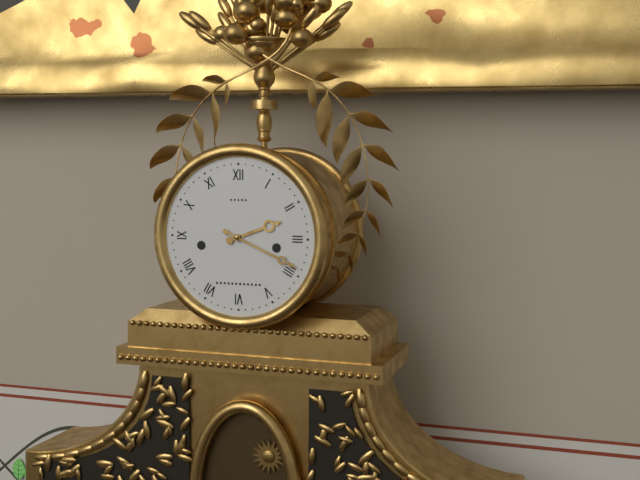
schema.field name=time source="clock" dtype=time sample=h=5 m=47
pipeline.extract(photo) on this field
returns h=2 m=19
